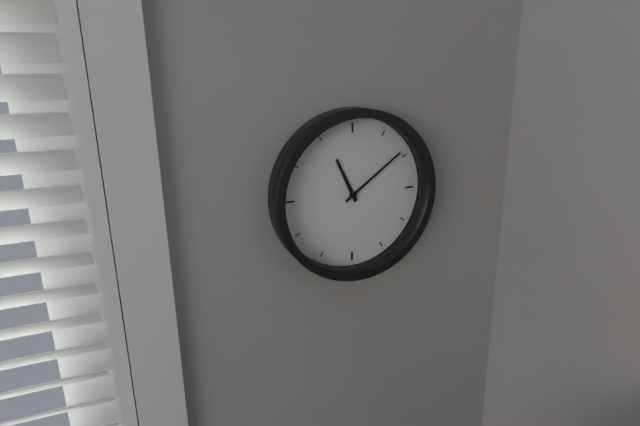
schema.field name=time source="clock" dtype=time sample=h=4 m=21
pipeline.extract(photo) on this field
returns h=11 m=9
